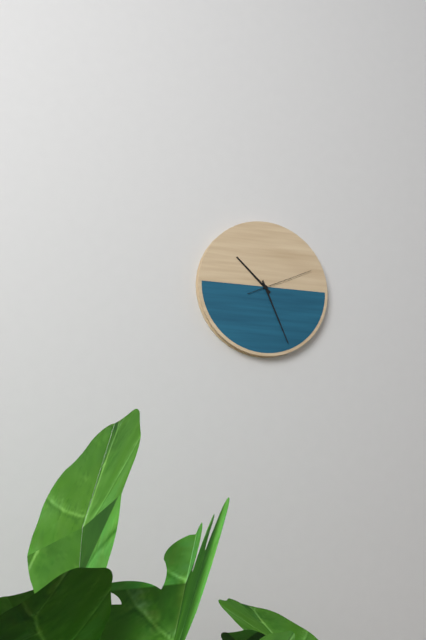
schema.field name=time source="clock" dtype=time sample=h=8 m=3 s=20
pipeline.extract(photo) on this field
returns h=10 m=26 s=11
